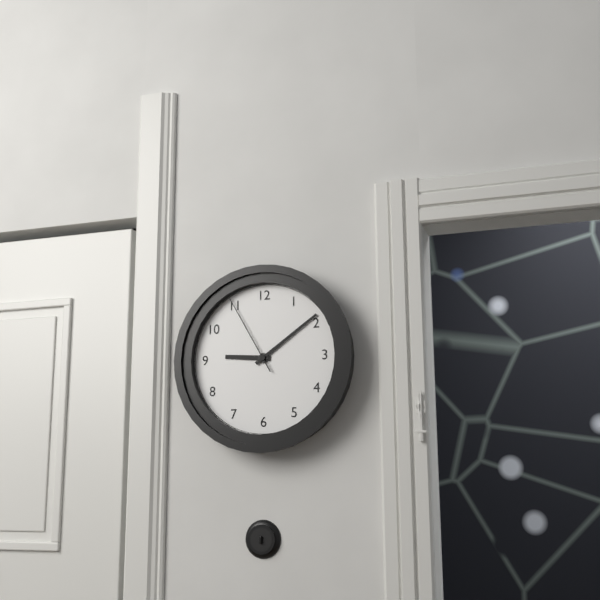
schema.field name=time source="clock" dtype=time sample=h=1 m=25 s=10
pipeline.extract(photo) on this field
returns h=9 m=9 s=55
